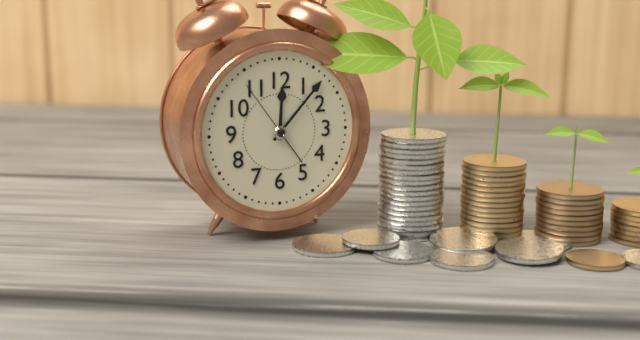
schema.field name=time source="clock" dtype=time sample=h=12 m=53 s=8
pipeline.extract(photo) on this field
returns h=12 m=7 s=54
